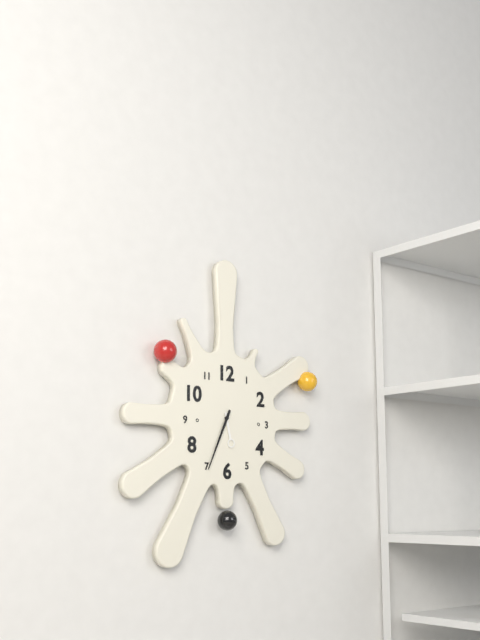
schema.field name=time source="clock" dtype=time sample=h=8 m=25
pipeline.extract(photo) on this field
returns h=5 m=34
